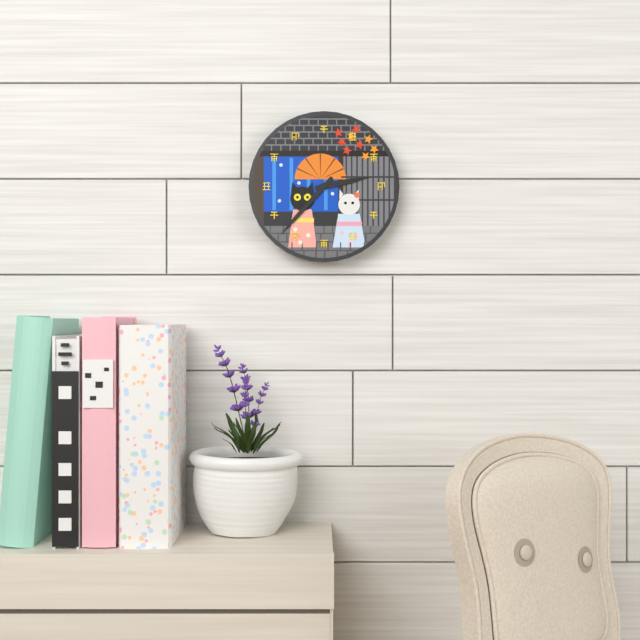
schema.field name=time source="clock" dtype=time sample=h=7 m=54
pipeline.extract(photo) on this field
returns h=2 m=37
